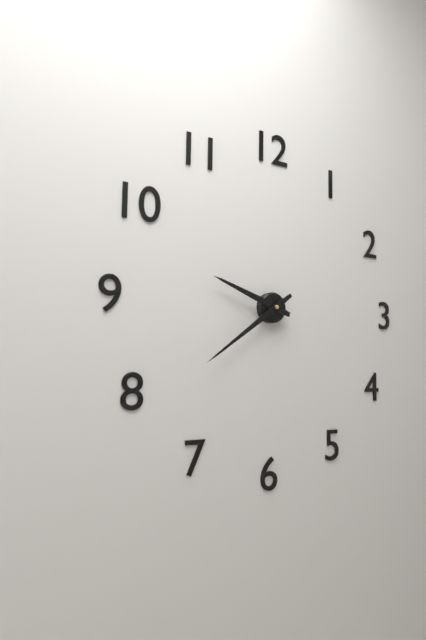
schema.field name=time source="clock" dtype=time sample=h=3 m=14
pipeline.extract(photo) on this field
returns h=9 m=39
